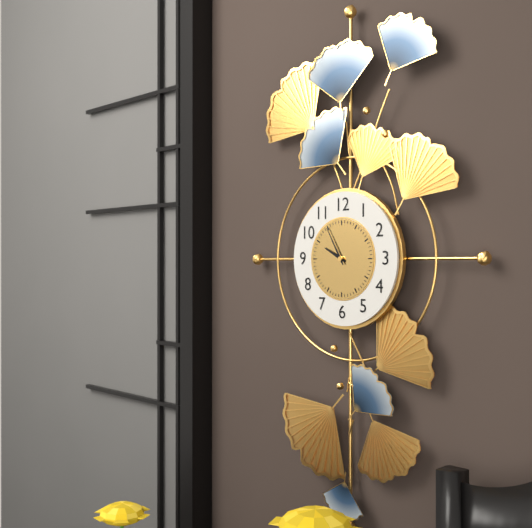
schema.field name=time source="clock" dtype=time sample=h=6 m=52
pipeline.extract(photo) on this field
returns h=9 m=55
